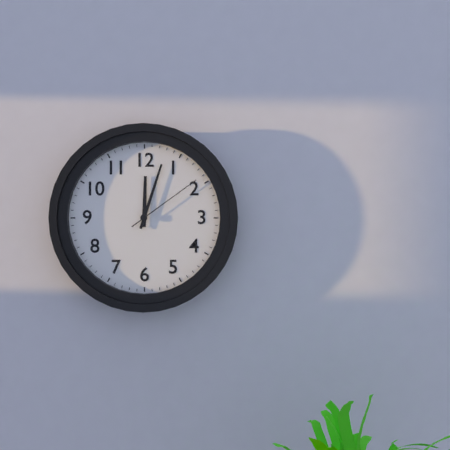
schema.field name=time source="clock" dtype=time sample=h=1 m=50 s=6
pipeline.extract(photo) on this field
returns h=12 m=3 s=9
